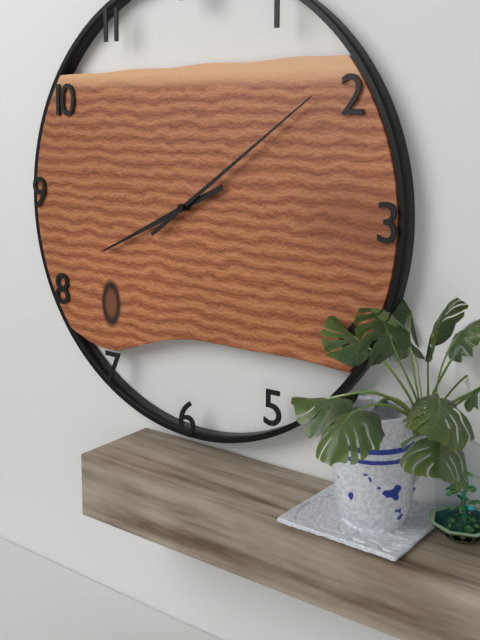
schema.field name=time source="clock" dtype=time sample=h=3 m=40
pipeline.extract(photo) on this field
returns h=8 m=9
